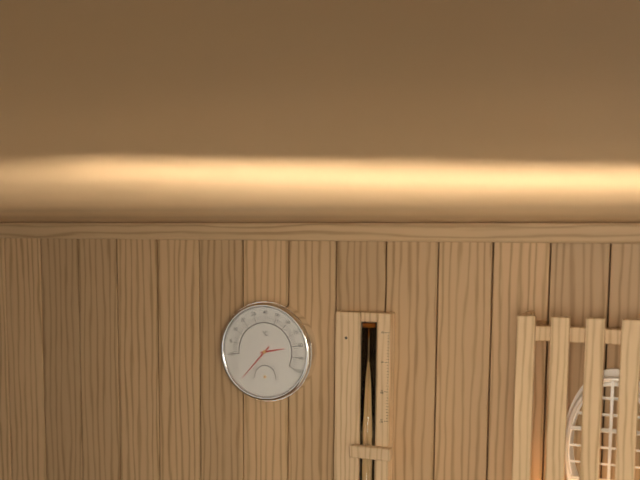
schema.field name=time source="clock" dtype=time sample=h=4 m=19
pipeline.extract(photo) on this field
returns h=2 m=37
